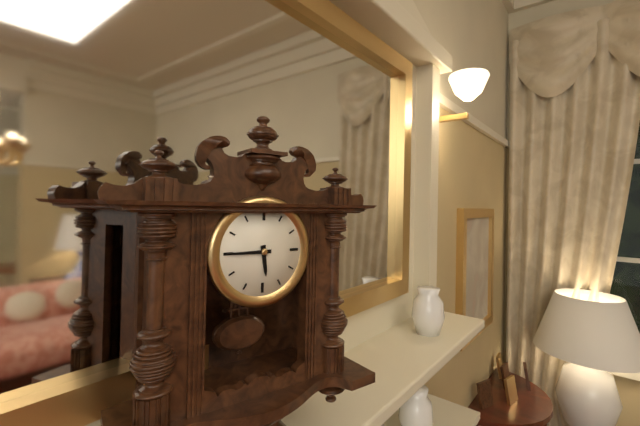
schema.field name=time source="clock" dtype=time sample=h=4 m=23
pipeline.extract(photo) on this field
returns h=5 m=45
